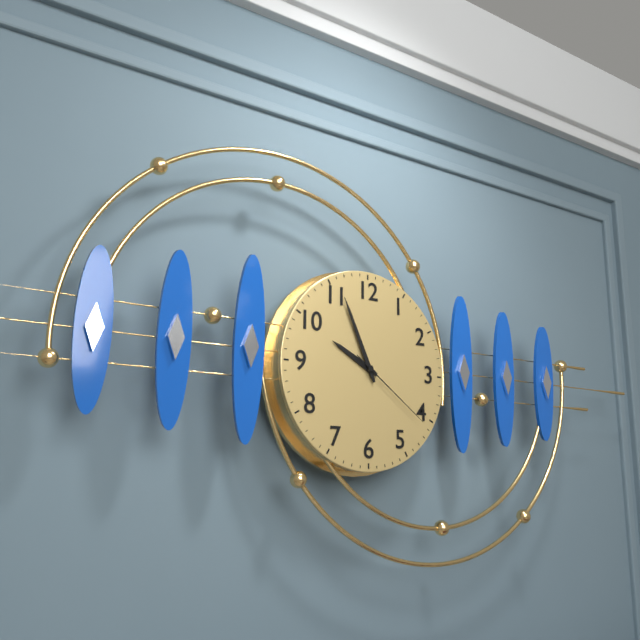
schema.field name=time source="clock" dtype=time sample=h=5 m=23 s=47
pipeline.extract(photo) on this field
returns h=9 m=56 s=21
